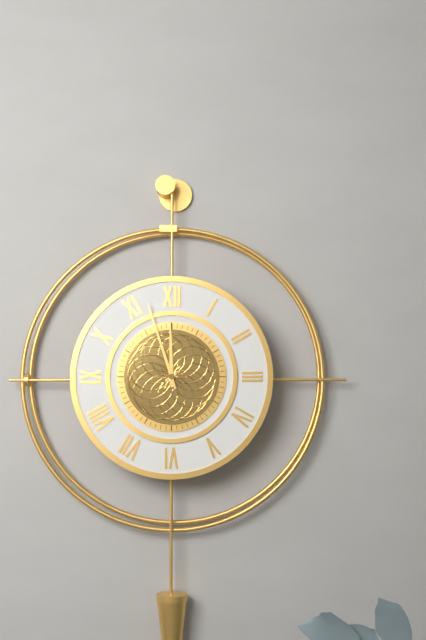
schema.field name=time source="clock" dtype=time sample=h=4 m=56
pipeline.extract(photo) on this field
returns h=11 m=57
